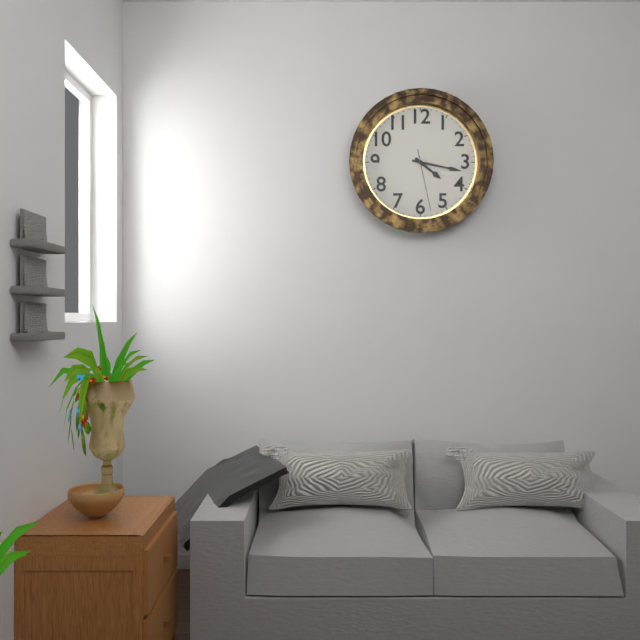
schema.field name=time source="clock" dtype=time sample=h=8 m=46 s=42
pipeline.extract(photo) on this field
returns h=4 m=17 s=28
